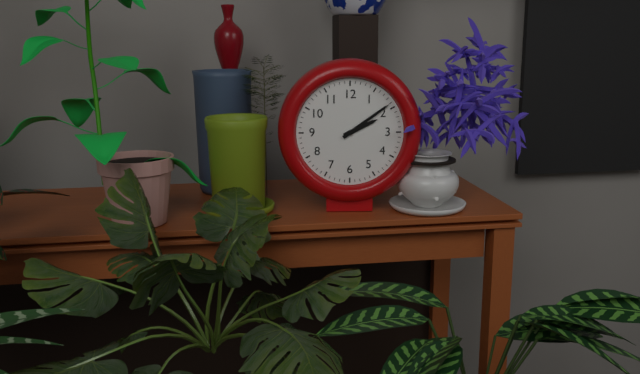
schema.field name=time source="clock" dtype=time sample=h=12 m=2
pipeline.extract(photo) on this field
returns h=2 m=9
